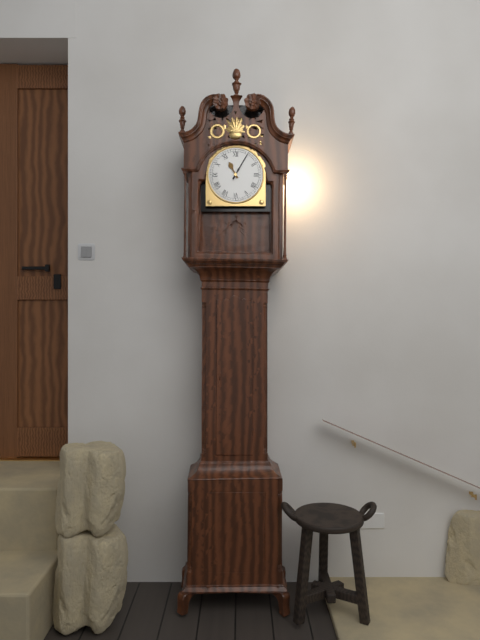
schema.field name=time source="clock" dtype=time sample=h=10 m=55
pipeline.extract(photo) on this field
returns h=11 m=5
